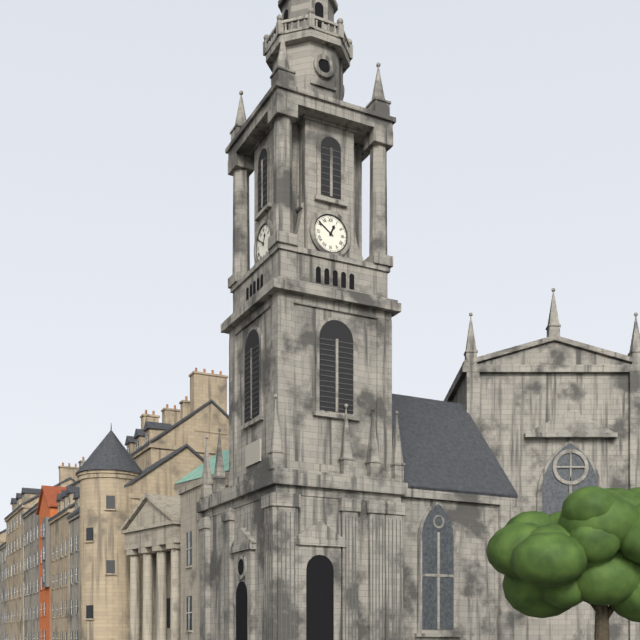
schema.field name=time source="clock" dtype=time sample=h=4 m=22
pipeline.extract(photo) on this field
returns h=12 m=51
